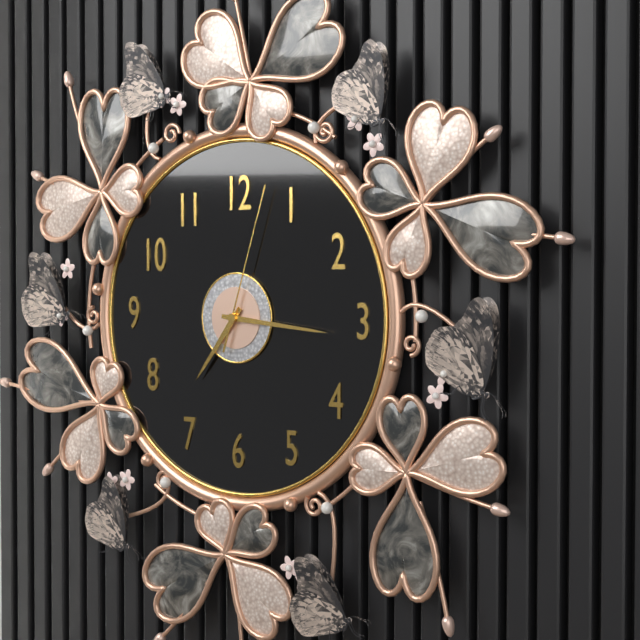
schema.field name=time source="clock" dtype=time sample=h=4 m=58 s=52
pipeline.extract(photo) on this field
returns h=7 m=16 s=3
